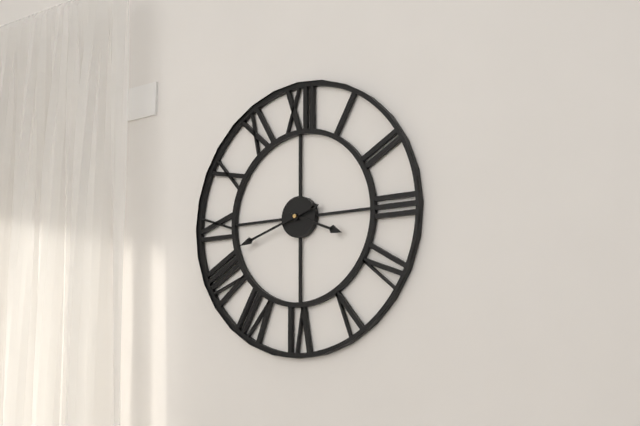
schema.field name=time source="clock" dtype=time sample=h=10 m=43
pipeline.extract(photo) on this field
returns h=3 m=42
